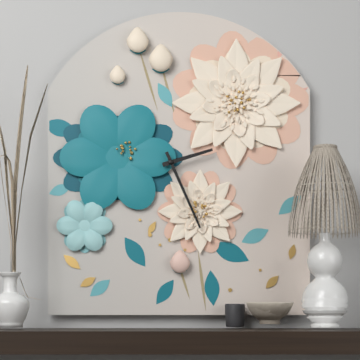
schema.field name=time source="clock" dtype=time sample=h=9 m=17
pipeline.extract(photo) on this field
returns h=2 m=26
